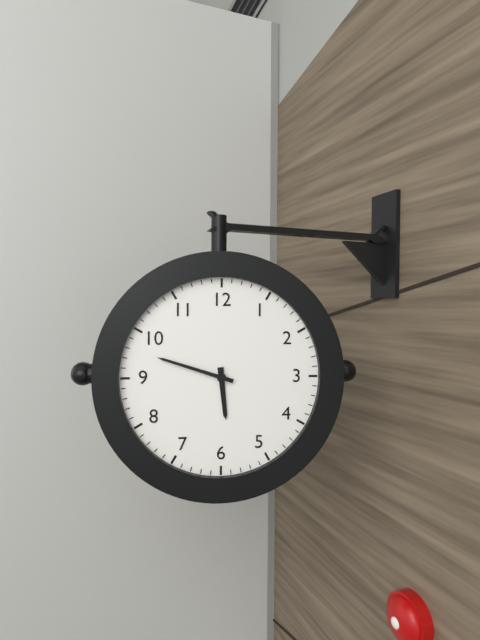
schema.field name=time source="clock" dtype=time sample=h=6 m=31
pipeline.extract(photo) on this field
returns h=5 m=48
